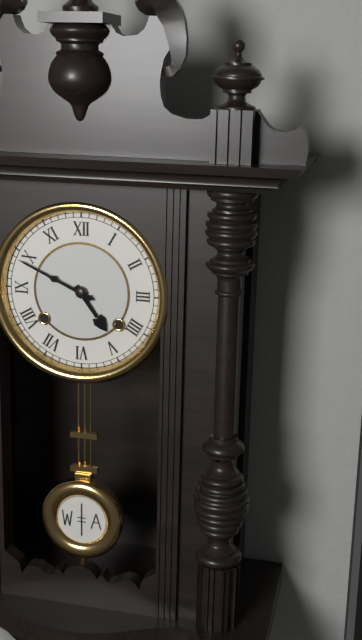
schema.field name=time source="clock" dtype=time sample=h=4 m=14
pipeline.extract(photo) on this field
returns h=4 m=49
